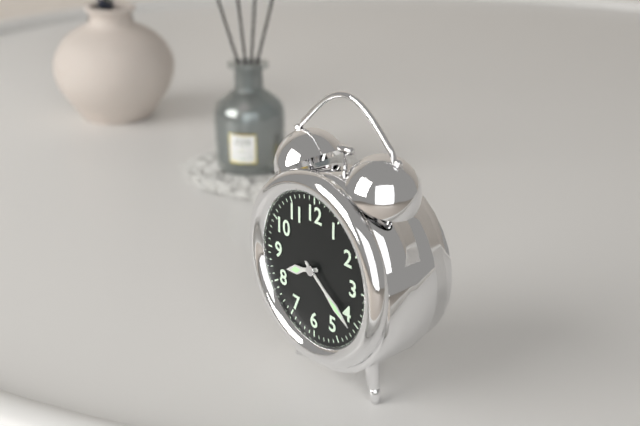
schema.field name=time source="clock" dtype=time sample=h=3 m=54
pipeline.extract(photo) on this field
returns h=8 m=21
